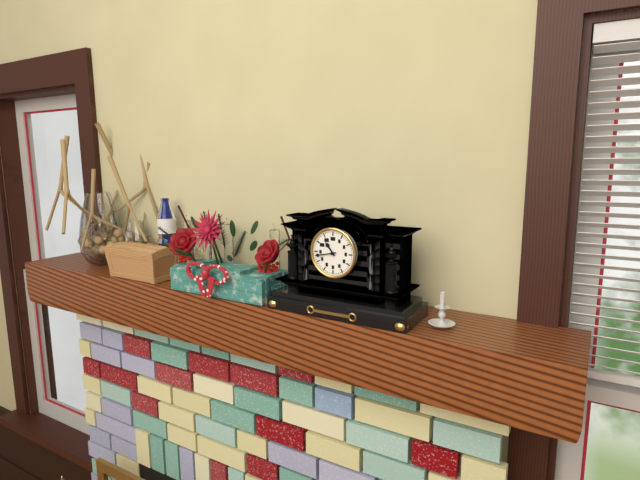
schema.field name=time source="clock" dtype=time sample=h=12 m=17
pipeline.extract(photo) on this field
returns h=10 m=43
